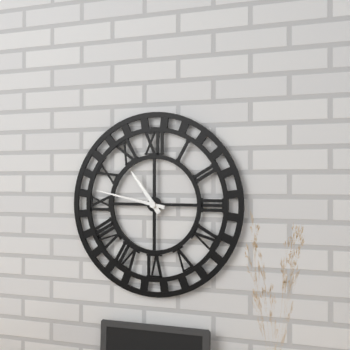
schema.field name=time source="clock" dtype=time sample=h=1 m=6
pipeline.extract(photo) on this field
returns h=10 m=47
